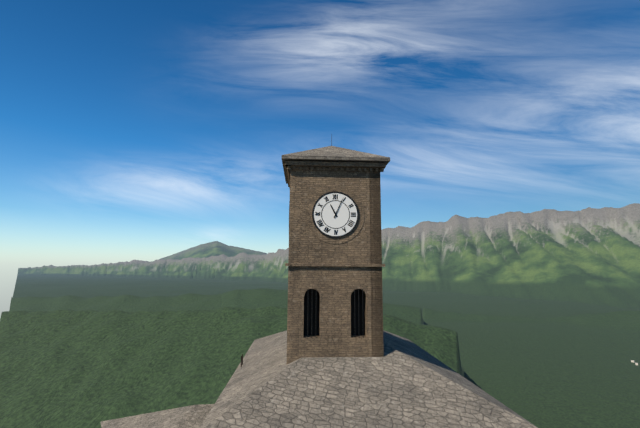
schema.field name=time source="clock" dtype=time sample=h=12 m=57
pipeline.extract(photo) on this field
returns h=11 m=4
